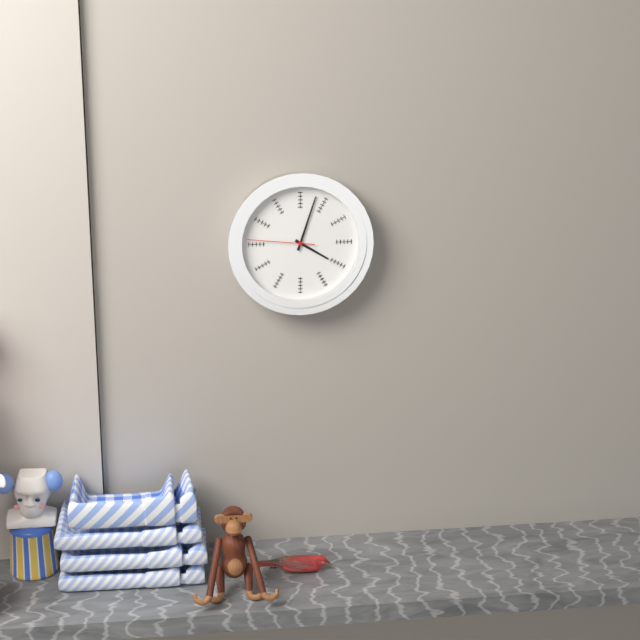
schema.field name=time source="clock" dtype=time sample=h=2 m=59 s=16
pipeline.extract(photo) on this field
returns h=4 m=3 s=46
